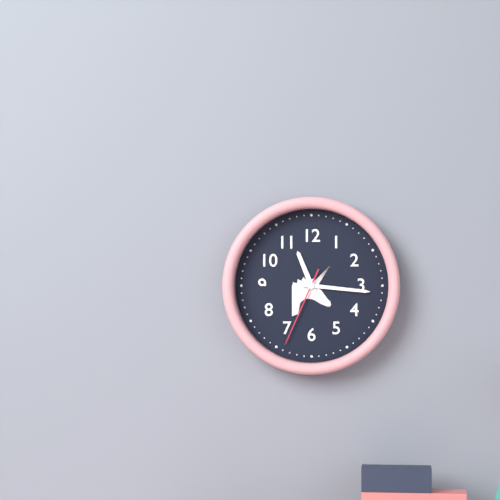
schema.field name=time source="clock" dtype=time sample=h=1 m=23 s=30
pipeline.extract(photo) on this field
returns h=11 m=16 s=34
